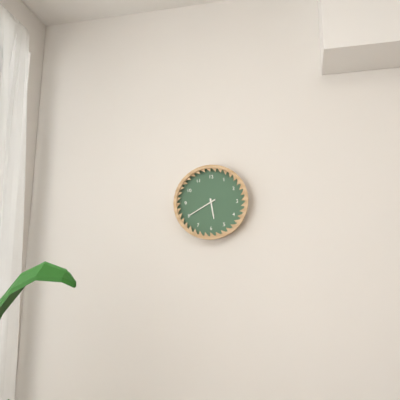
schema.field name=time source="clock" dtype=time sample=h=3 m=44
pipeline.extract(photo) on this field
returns h=5 m=40
